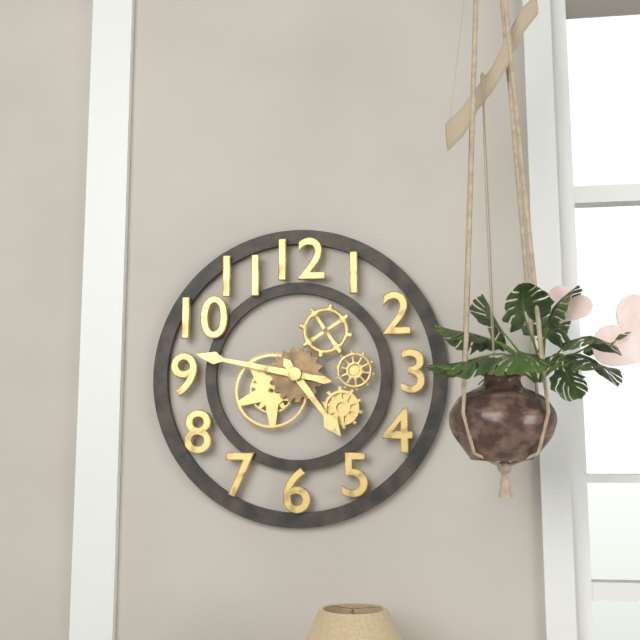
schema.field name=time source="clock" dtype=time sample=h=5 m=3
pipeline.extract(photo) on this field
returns h=4 m=47
